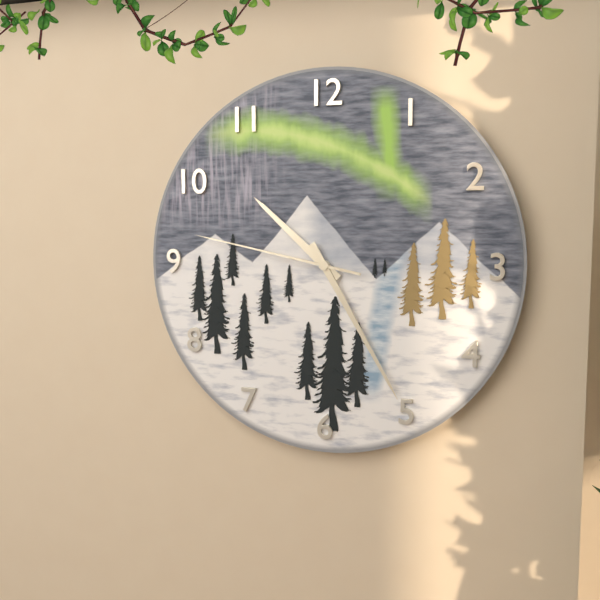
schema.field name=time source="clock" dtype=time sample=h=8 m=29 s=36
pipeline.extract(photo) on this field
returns h=10 m=25 s=47
